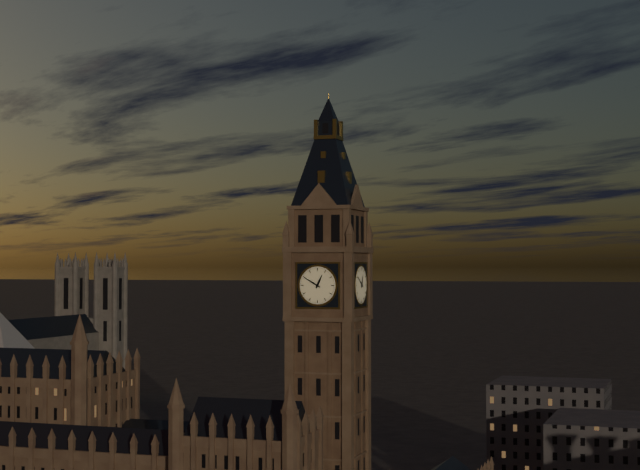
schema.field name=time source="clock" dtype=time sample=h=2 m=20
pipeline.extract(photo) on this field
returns h=12 m=50
